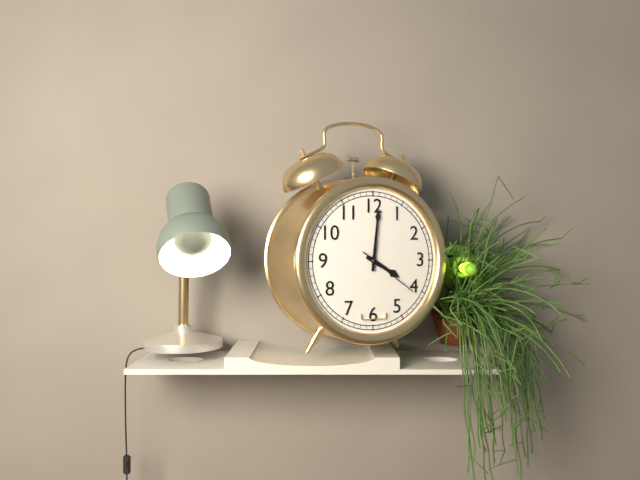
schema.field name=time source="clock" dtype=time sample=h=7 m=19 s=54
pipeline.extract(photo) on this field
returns h=4 m=1 s=21
